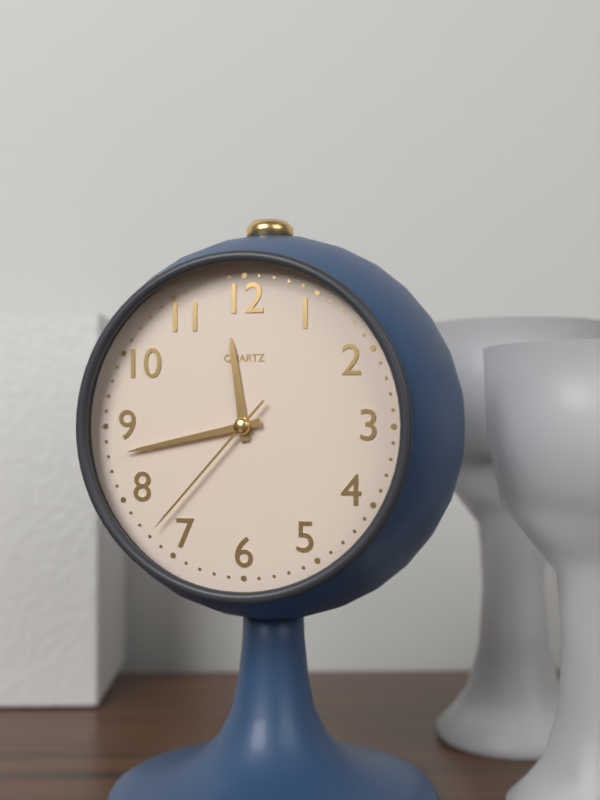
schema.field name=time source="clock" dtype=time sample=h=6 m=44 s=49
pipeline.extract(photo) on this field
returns h=11 m=43 s=37
